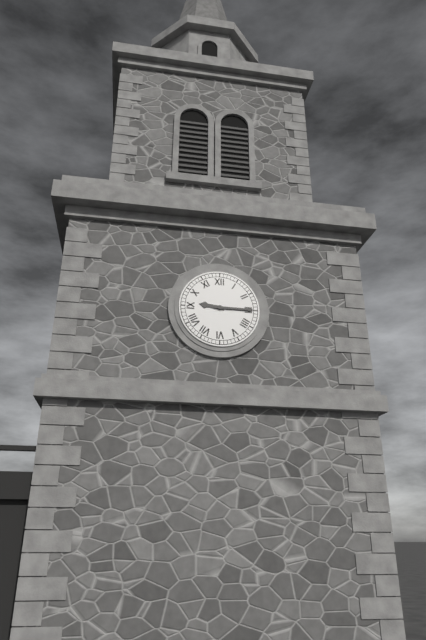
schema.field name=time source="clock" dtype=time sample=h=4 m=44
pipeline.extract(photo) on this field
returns h=9 m=15
